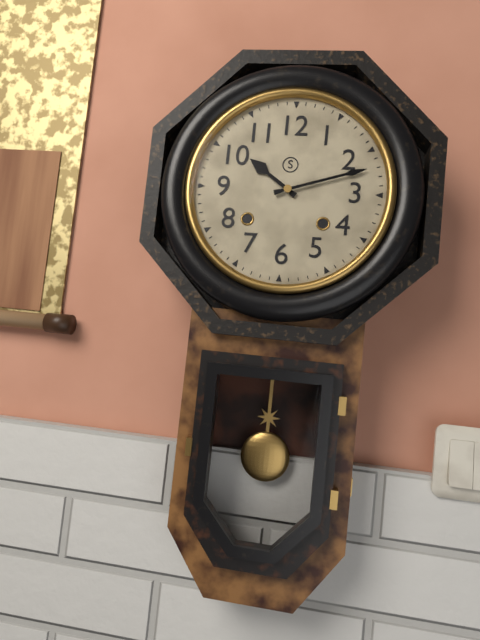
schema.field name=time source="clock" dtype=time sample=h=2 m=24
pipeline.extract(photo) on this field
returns h=10 m=12
